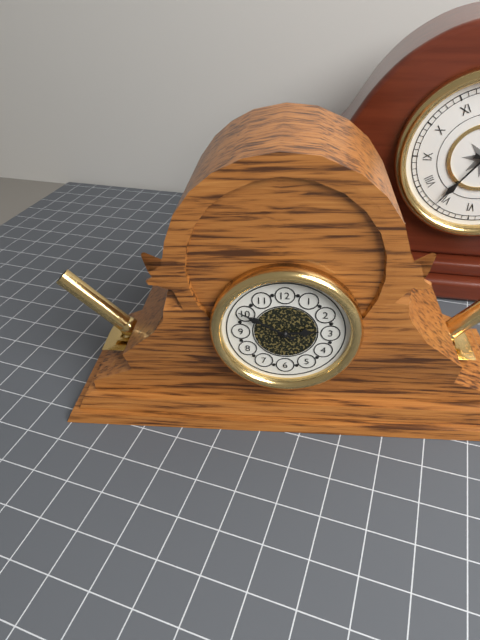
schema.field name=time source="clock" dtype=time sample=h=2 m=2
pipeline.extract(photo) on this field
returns h=2 m=50
